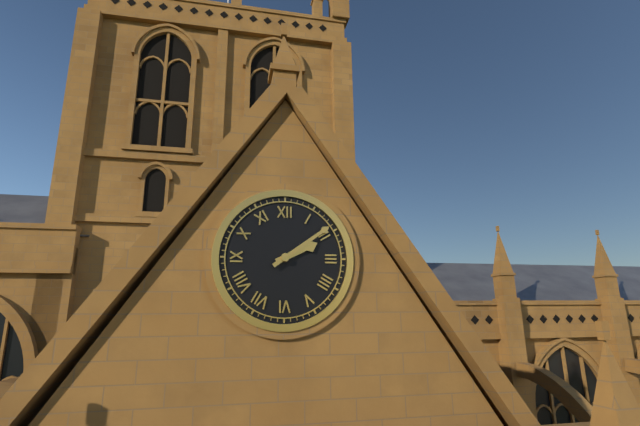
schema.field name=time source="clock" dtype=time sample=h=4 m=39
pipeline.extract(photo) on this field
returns h=2 m=9
